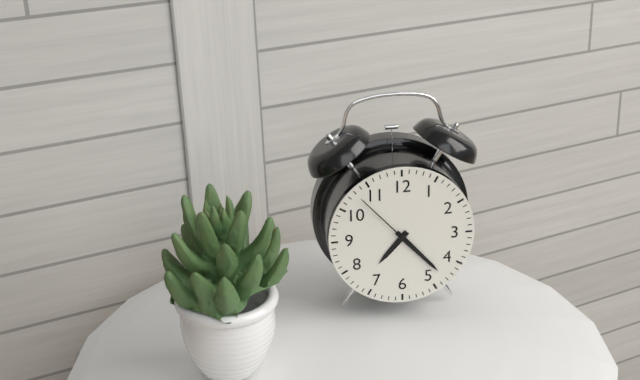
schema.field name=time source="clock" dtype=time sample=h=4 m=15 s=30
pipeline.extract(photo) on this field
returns h=7 m=23 s=53
